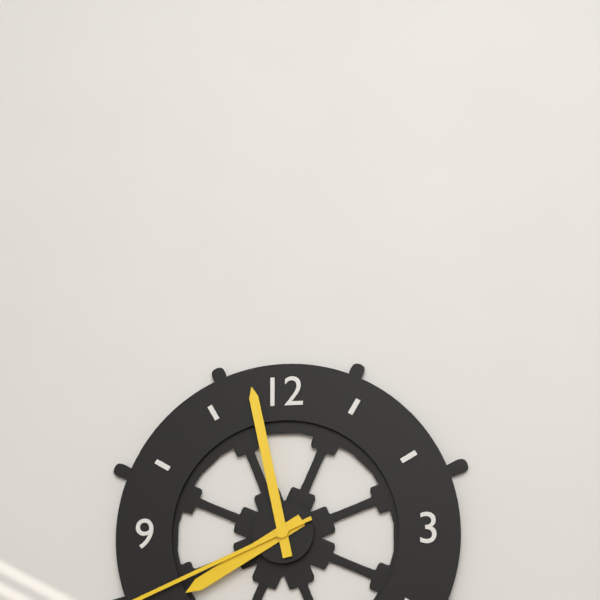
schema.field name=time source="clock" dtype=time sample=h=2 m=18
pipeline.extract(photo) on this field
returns h=7 m=58
